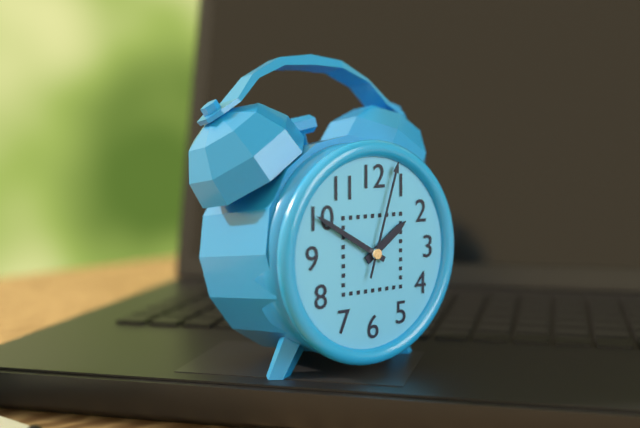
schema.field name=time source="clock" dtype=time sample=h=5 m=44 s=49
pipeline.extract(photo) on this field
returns h=1 m=50 s=3
